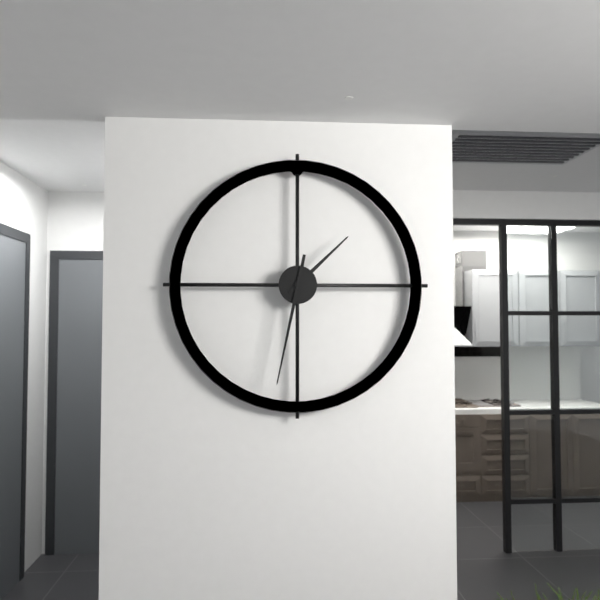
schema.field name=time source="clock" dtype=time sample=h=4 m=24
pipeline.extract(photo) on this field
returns h=1 m=32
